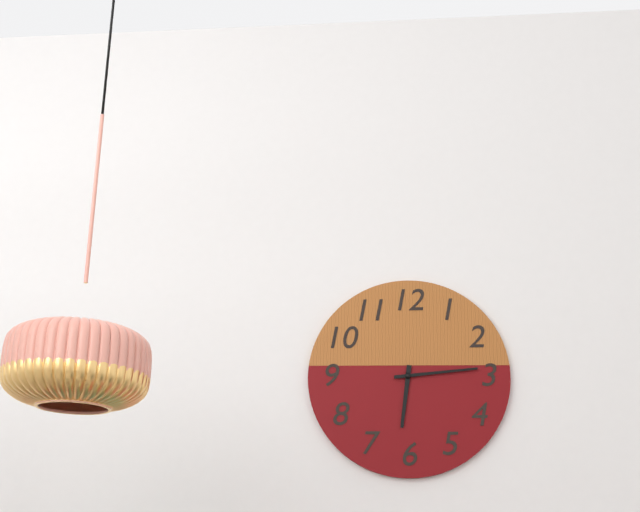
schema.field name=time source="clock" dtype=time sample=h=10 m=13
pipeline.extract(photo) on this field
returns h=6 m=14
